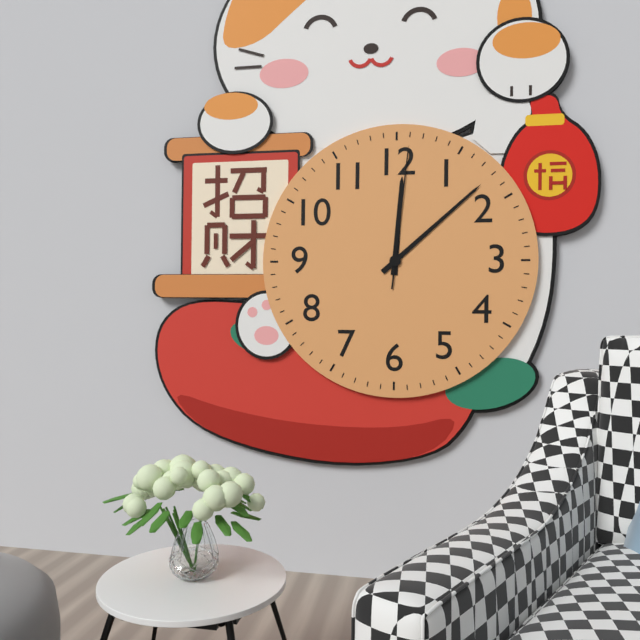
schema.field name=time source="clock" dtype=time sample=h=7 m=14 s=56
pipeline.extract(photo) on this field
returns h=12 m=8 s=1
